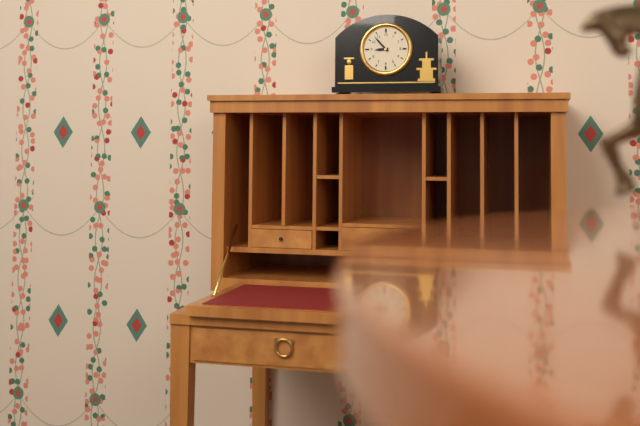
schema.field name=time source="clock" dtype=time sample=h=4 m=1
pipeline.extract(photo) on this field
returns h=8 m=53
